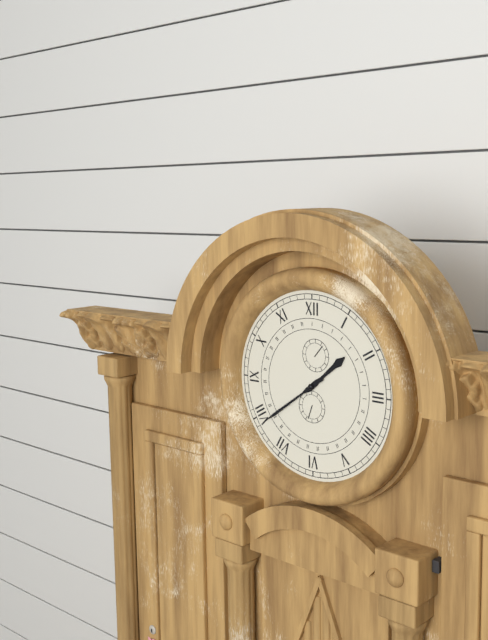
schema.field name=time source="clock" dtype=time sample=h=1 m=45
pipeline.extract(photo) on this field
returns h=1 m=39
